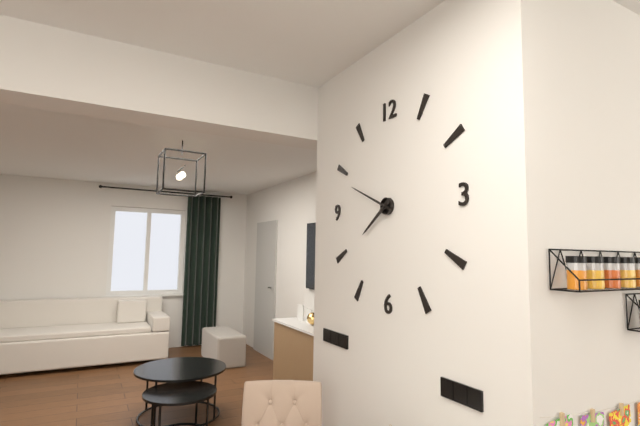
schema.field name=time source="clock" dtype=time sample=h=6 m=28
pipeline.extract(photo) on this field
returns h=7 m=49
